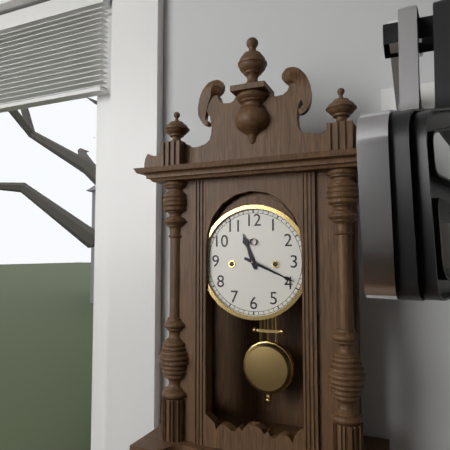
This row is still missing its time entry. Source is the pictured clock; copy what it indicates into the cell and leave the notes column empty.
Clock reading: 11:19
